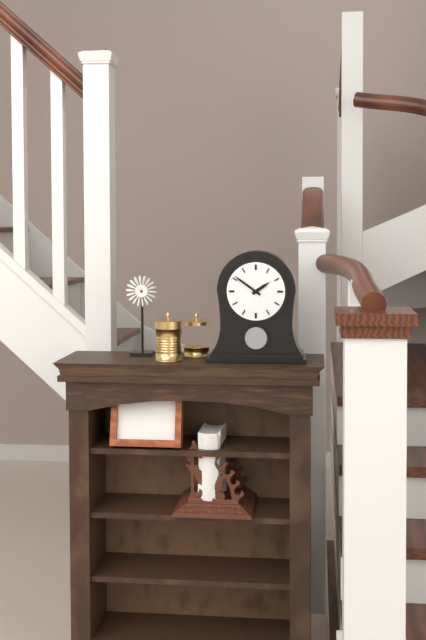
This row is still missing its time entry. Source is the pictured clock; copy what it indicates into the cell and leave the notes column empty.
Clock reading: 1:51
